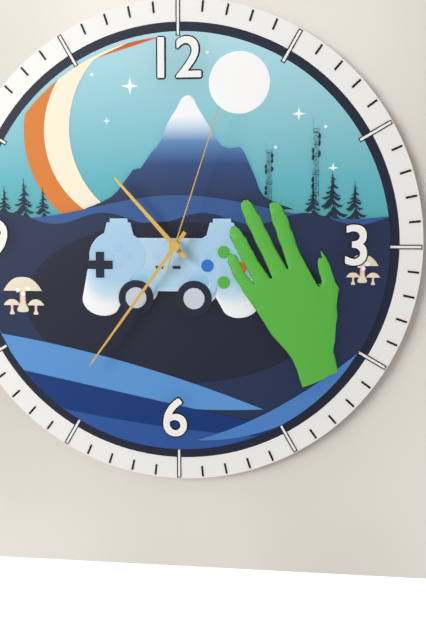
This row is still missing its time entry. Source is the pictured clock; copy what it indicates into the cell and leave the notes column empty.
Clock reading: 10:36:03
